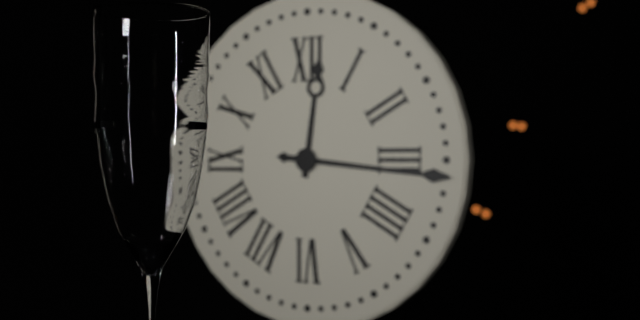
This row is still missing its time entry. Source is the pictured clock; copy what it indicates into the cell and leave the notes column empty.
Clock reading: 12:16
